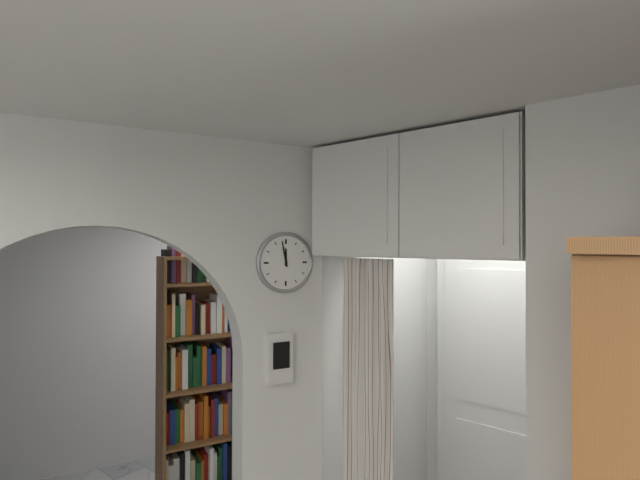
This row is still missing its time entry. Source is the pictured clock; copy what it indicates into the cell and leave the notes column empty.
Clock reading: 11:58
